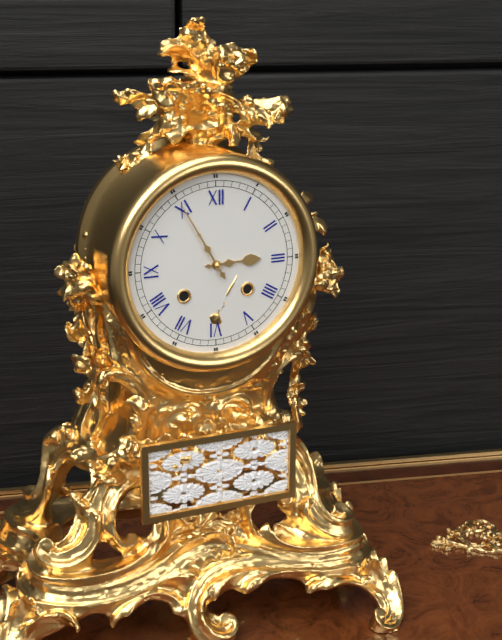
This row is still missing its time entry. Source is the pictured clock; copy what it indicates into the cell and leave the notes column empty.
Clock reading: 2:55
